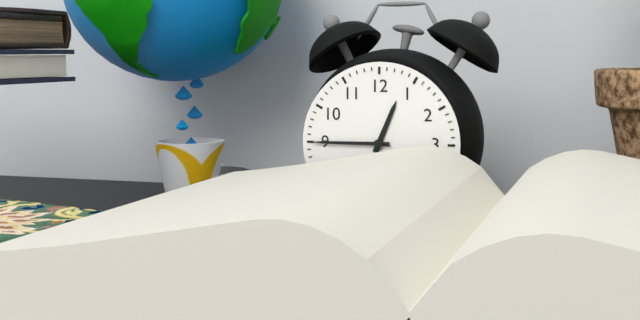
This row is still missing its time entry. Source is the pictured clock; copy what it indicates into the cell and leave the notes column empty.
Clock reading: 12:45
